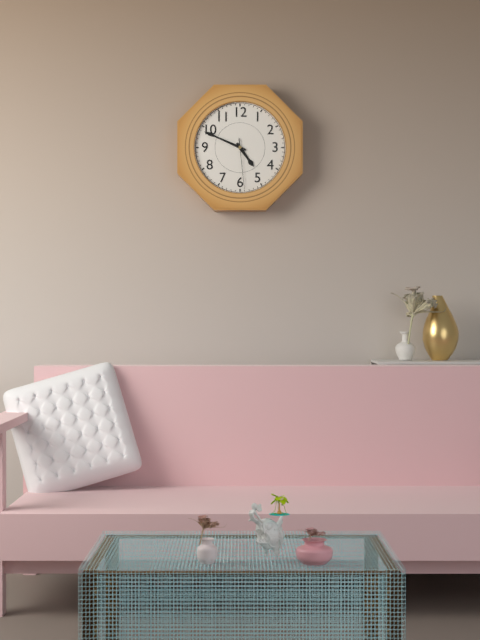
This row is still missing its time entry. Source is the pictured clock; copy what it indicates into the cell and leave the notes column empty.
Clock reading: 4:49:29
